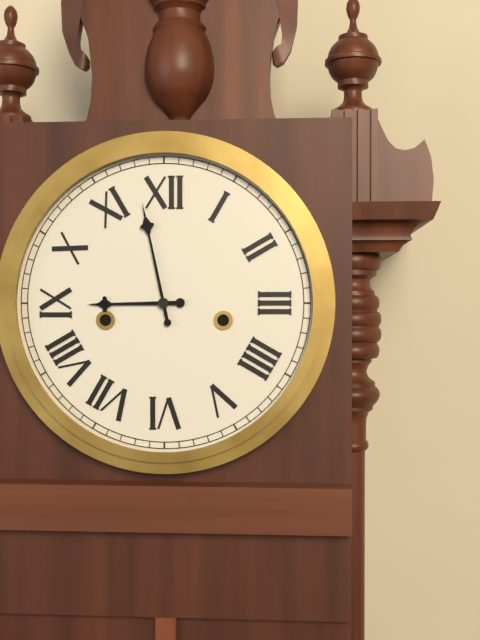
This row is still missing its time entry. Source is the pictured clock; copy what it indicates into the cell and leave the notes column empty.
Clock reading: 8:58
